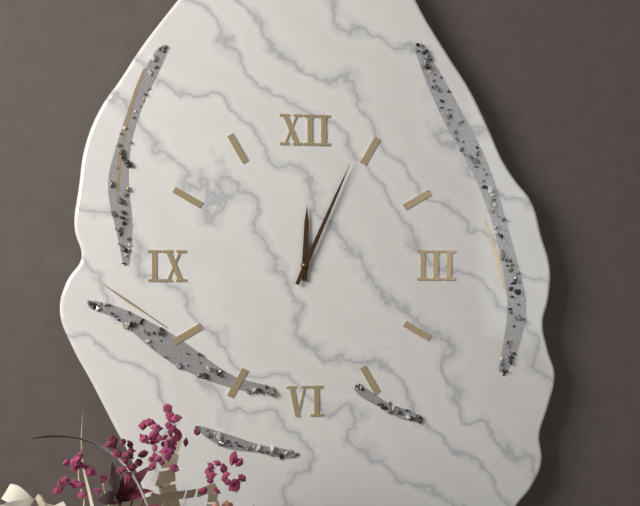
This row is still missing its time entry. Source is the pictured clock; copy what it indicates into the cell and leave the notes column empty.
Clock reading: 12:04
